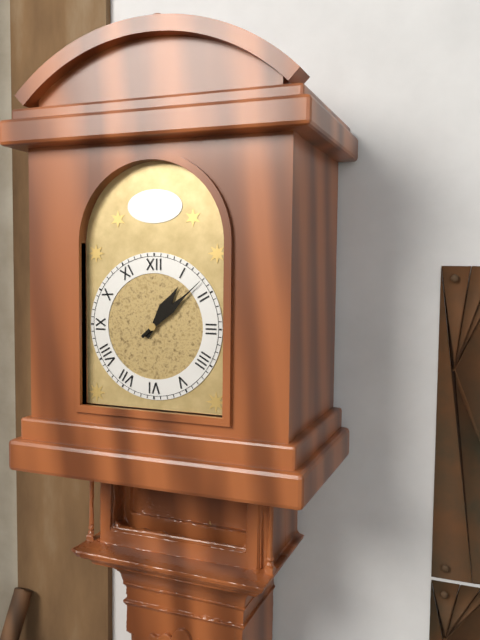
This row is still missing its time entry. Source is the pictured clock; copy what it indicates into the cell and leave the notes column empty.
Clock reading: 1:08
